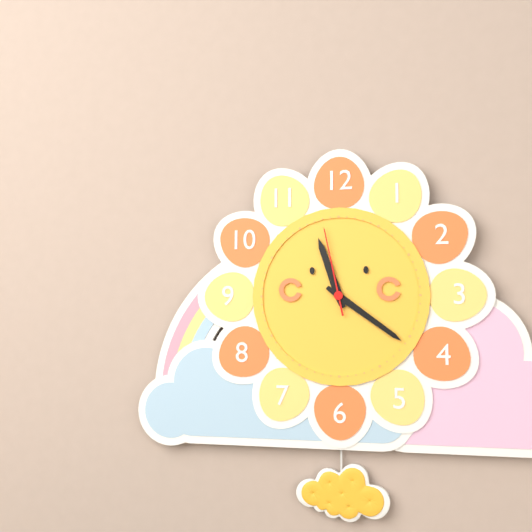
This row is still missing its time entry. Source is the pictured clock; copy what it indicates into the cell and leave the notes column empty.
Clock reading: 11:21:58
